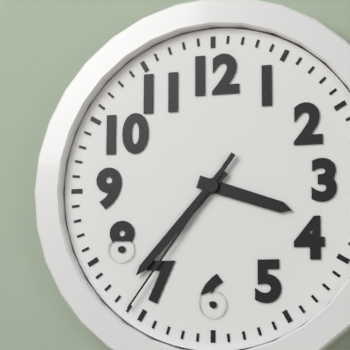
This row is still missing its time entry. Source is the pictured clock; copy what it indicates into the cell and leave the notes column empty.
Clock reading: 3:37:36
